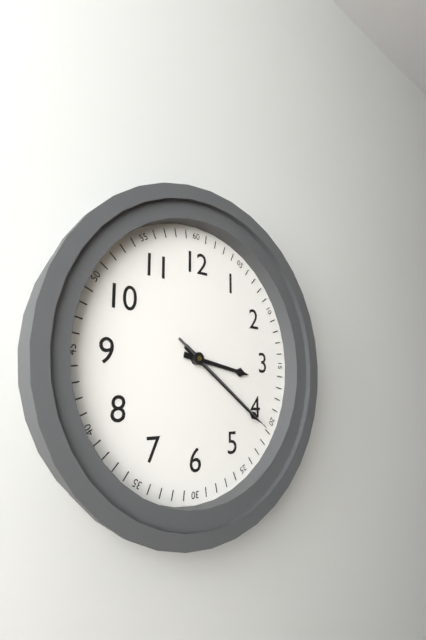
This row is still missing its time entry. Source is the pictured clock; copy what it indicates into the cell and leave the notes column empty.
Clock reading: 3:21:21
